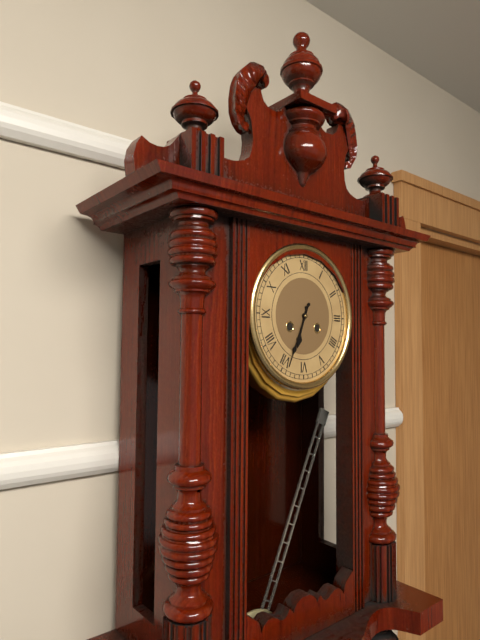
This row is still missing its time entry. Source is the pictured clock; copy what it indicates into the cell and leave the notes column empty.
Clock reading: 6:34
